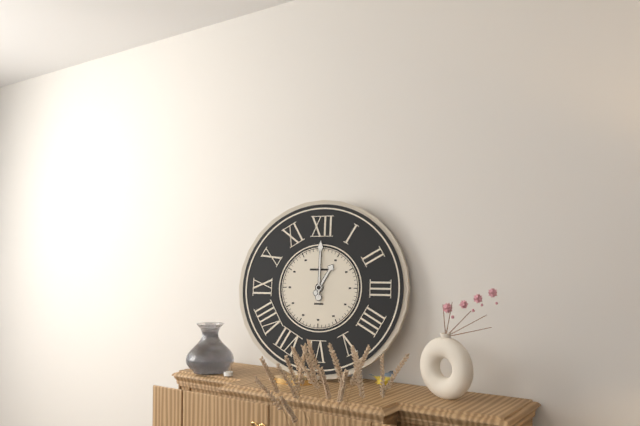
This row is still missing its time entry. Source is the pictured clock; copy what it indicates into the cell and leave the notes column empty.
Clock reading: 1:00
